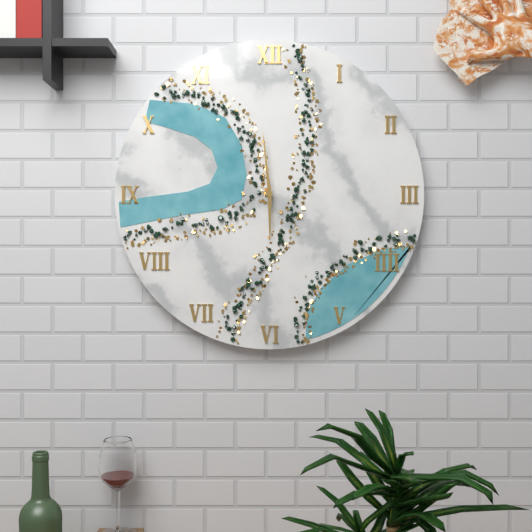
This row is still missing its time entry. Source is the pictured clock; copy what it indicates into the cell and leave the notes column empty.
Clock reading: 5:59
